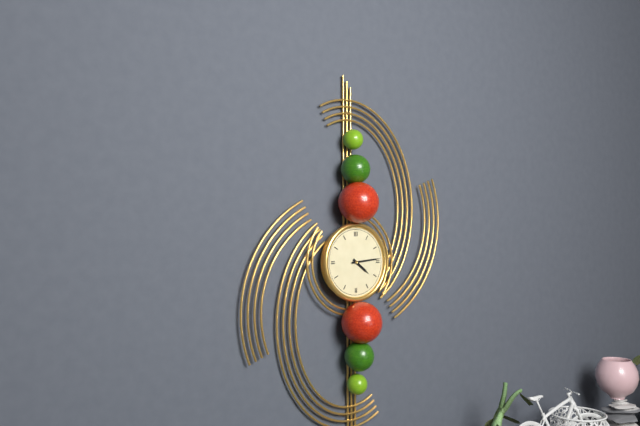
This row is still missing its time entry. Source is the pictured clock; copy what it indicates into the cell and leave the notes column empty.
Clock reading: 4:14
